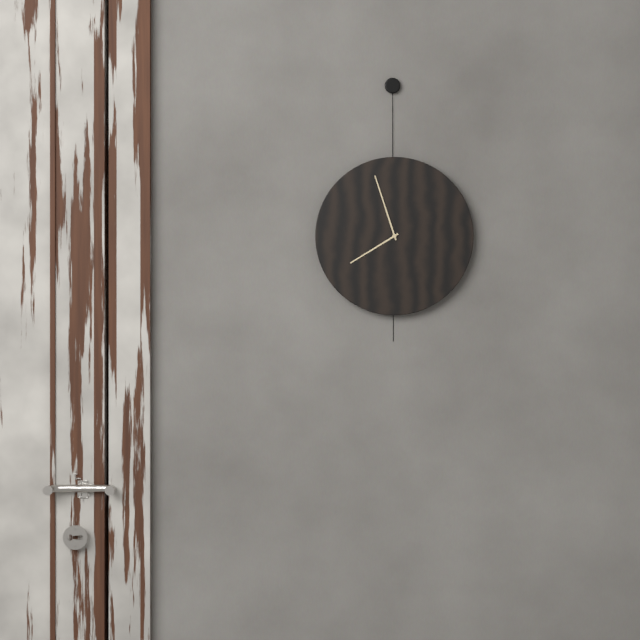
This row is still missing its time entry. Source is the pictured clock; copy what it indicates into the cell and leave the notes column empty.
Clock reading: 7:57
